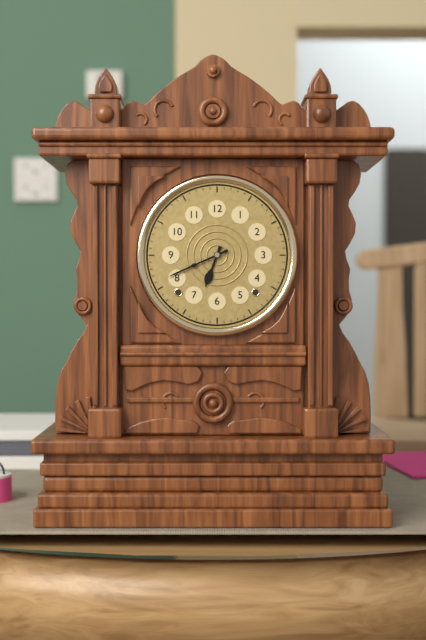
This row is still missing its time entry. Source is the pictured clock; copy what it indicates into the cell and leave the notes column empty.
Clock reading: 6:41
